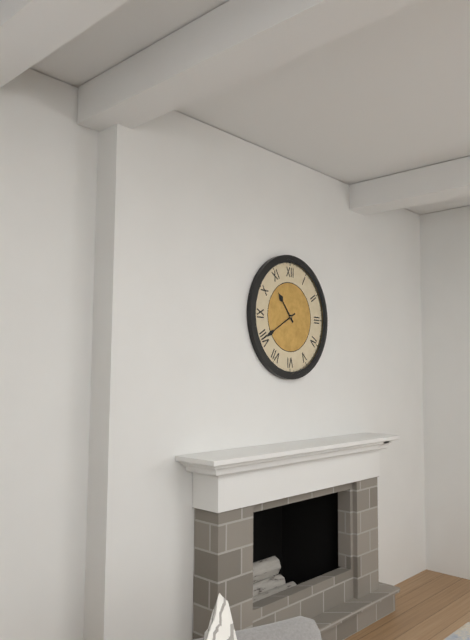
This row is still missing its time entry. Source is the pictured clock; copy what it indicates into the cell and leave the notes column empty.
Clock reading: 10:40
